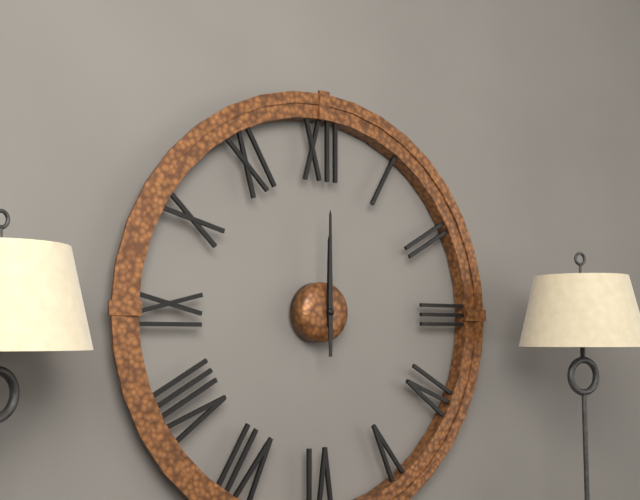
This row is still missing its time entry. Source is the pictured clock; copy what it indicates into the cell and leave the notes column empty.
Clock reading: 12:00
